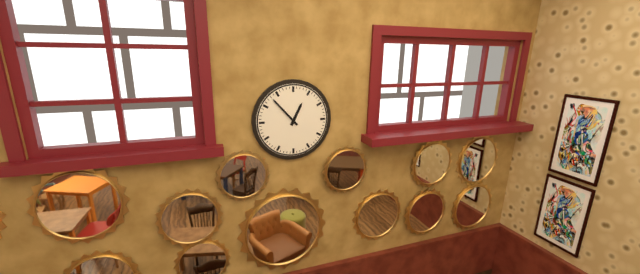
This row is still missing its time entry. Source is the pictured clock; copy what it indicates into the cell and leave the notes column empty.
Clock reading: 12:53
